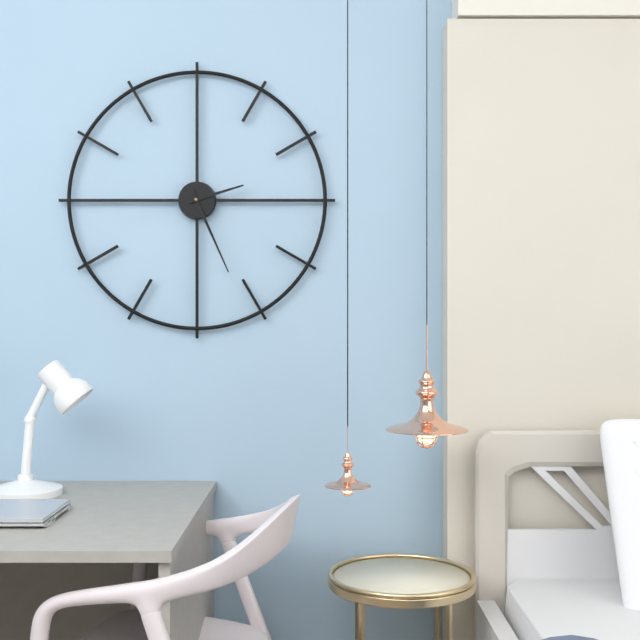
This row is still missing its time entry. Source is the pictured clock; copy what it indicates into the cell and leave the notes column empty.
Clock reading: 2:26
